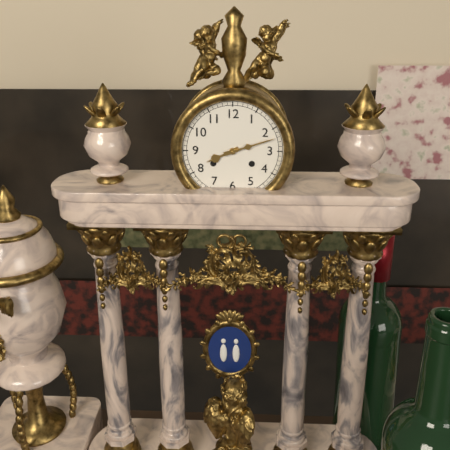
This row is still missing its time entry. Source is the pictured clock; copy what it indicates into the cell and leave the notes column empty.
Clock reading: 8:12
